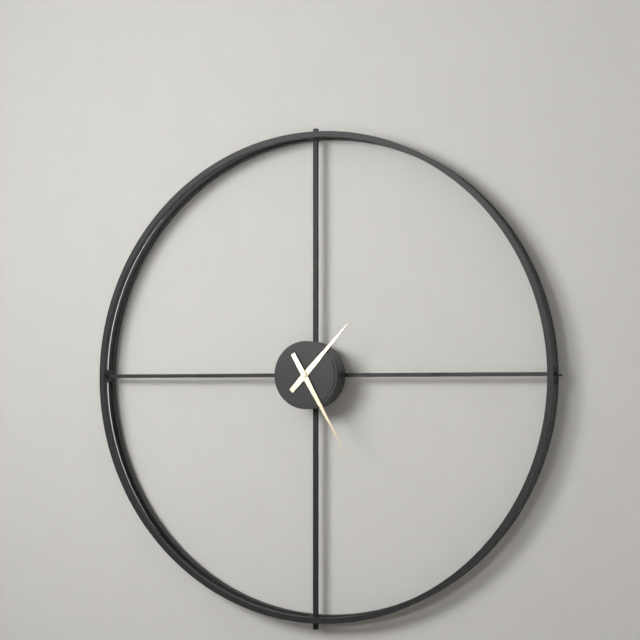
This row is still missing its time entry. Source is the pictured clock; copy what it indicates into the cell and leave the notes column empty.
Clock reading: 1:25
